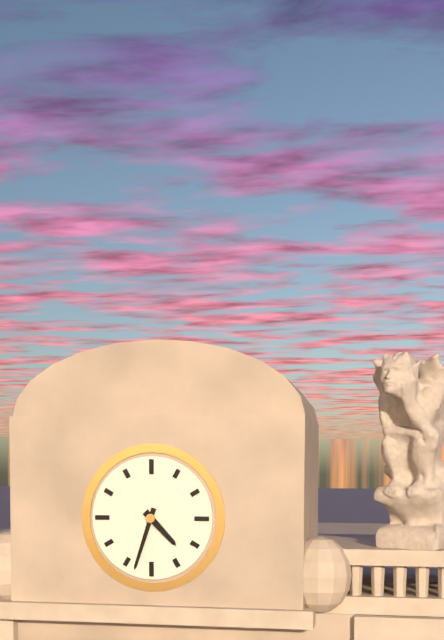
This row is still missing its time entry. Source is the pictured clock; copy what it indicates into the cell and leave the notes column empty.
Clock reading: 4:33
